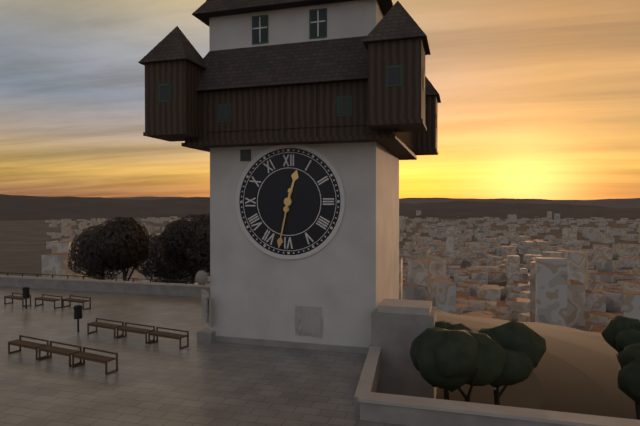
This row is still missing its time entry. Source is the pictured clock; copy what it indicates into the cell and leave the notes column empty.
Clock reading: 12:32
